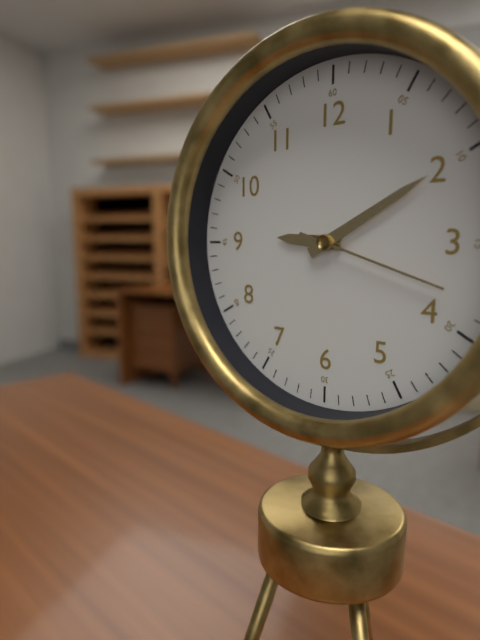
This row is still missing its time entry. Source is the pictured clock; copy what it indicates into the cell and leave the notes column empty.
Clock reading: 9:10:18
